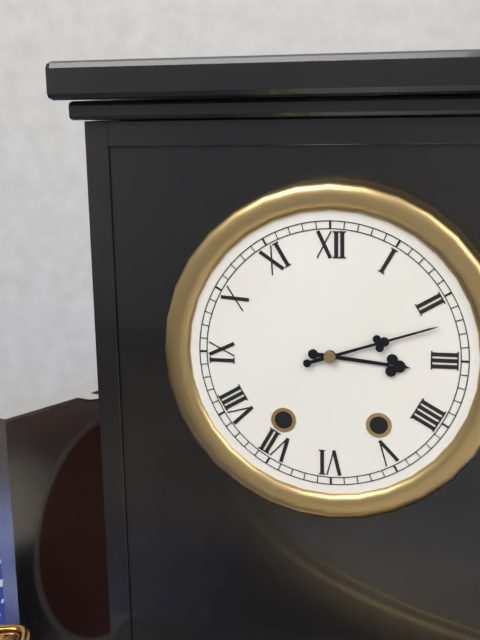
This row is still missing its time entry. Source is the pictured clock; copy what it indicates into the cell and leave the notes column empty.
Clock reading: 3:12
